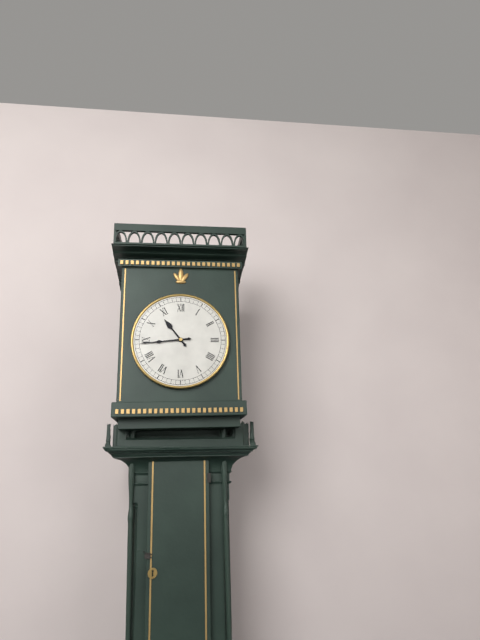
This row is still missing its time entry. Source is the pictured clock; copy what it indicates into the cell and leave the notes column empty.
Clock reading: 10:44
